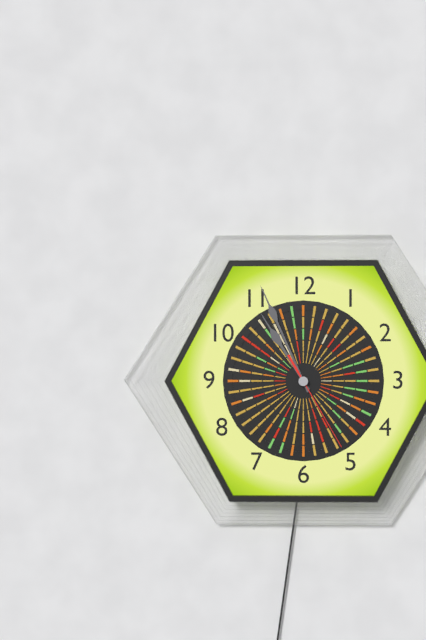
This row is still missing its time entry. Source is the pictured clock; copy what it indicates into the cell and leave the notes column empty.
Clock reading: 10:56:25
